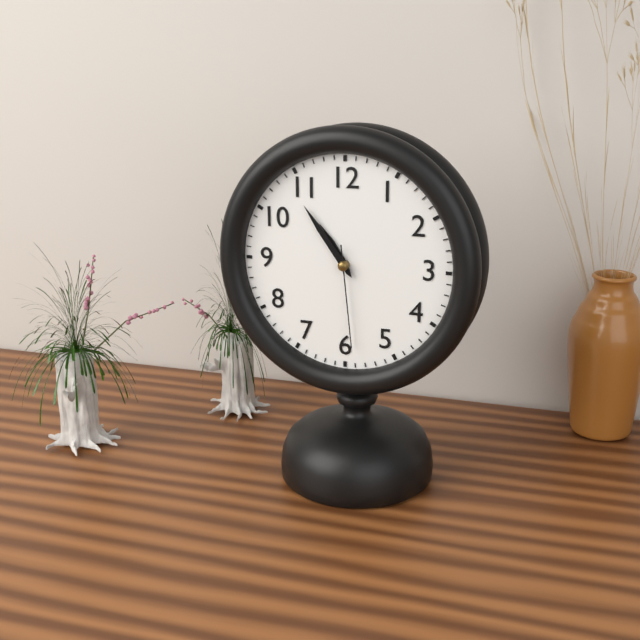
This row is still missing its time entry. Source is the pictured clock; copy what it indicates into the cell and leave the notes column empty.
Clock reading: 10:54:29
